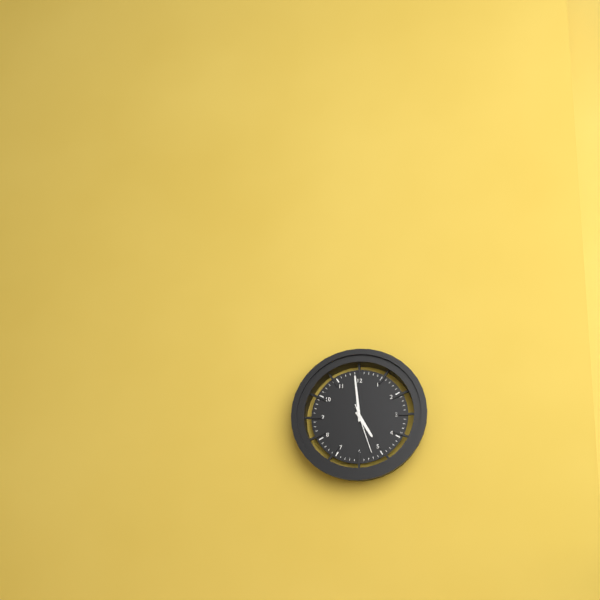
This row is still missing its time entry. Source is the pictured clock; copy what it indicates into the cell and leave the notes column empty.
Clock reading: 4:59
